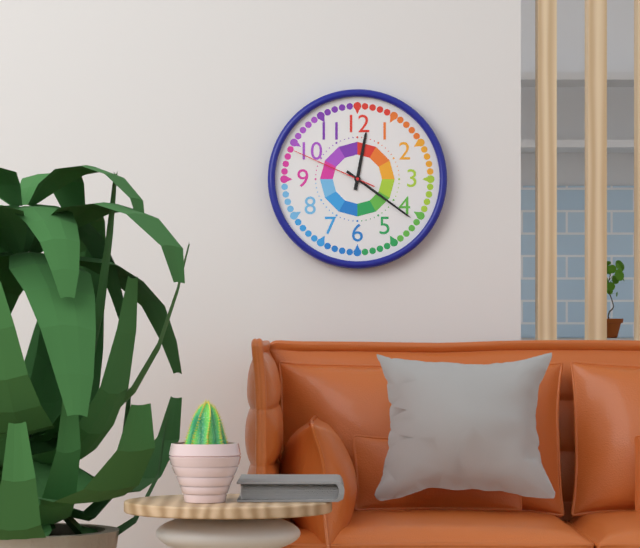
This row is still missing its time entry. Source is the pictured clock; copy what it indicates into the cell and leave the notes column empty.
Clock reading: 12:21:49
